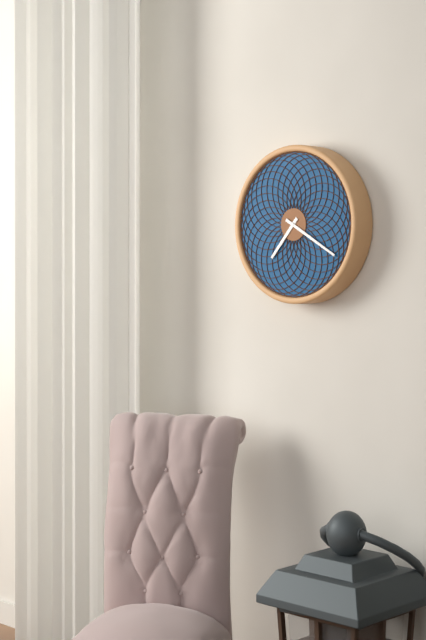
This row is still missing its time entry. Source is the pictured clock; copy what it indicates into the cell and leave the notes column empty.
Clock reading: 7:20
